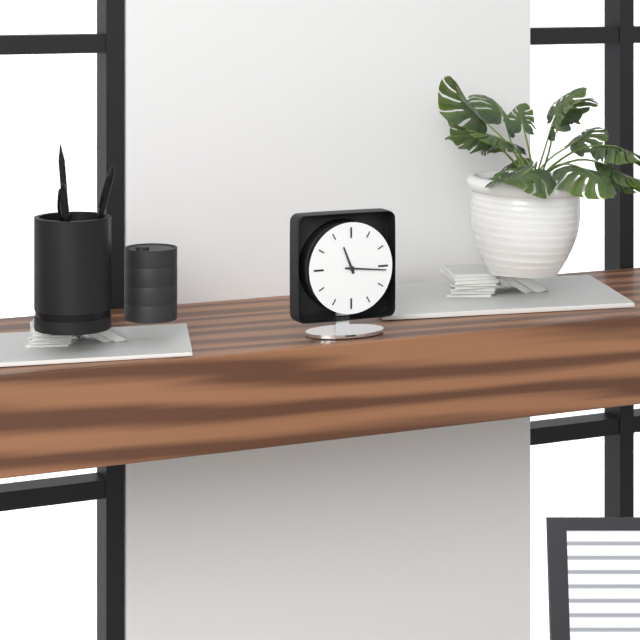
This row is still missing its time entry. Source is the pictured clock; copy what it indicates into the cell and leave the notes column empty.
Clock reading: 11:16
